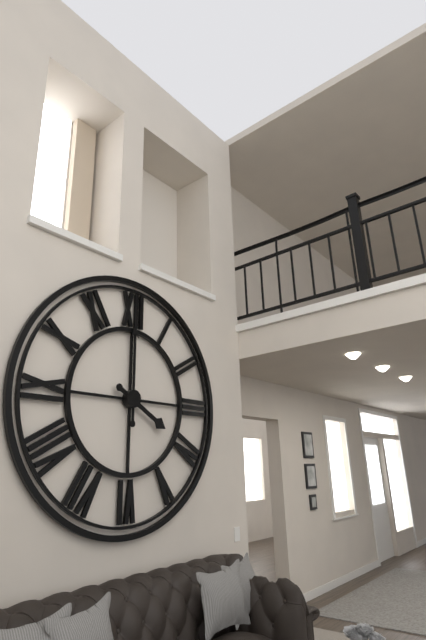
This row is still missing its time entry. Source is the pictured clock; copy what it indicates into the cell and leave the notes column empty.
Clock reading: 4:00
